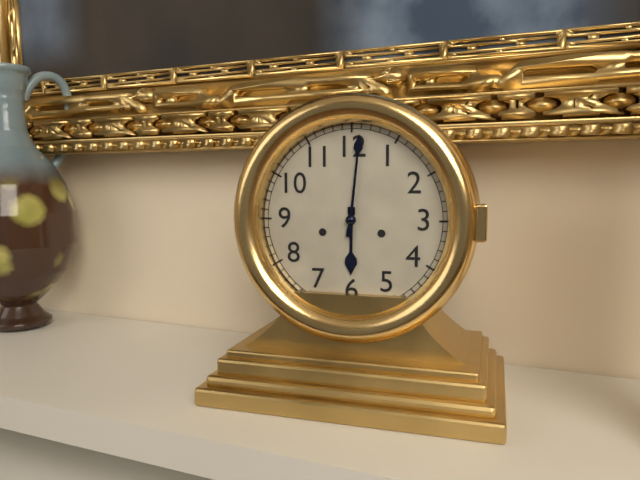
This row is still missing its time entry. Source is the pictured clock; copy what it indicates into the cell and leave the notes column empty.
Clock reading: 6:01
